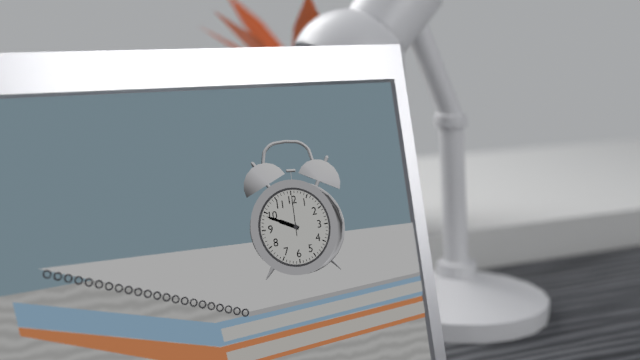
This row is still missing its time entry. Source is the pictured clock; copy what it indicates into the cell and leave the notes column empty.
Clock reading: 9:49
